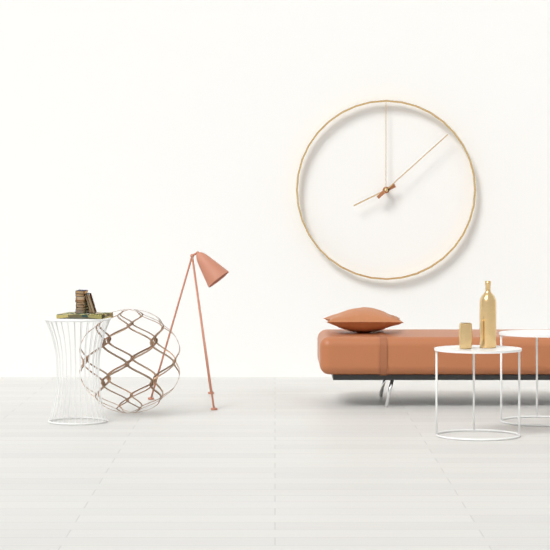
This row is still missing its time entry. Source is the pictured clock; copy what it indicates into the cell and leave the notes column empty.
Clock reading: 8:08
